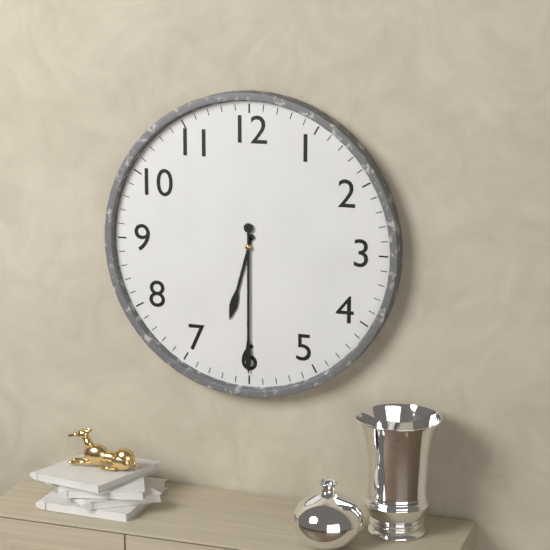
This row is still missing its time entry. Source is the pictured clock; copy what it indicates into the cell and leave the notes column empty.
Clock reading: 6:30
